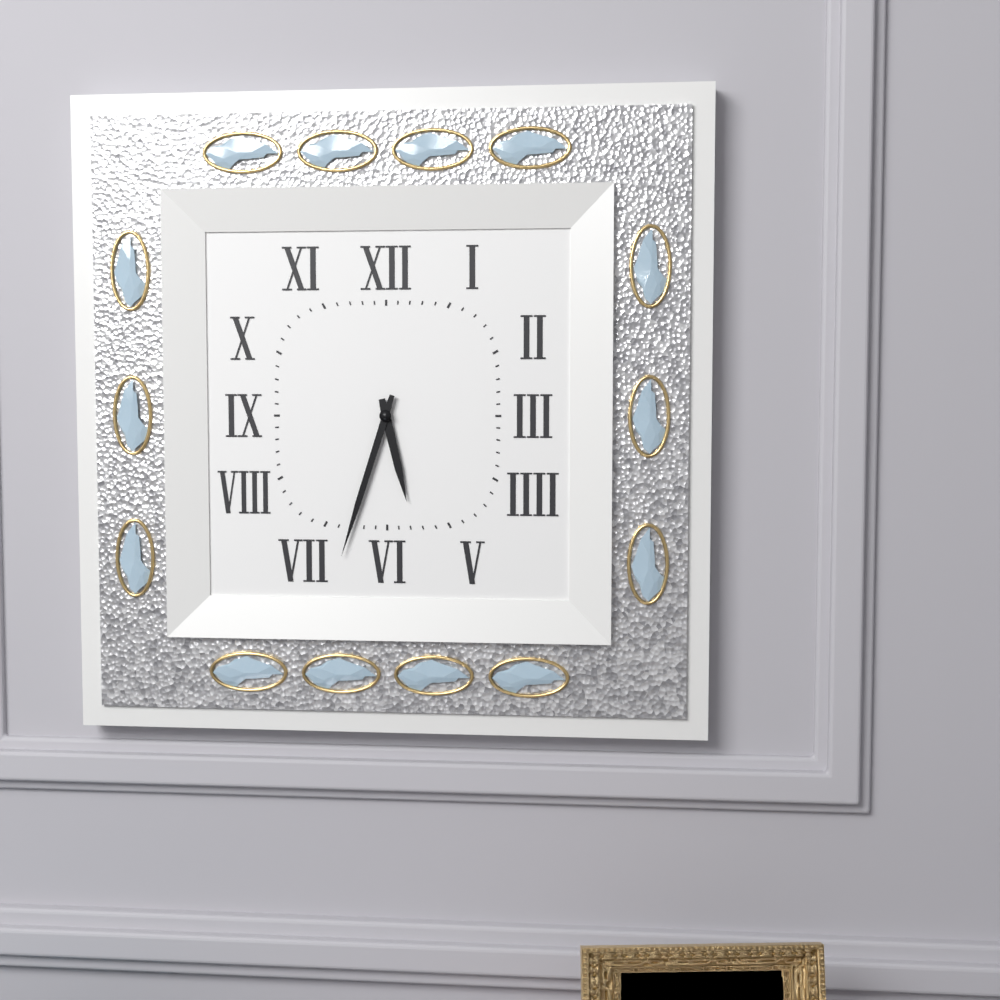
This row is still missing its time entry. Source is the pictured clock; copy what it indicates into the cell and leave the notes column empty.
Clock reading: 5:33
